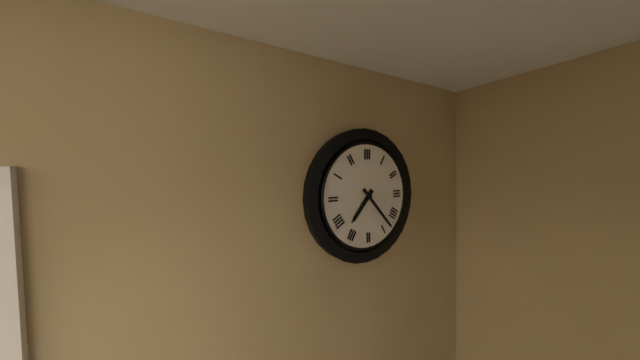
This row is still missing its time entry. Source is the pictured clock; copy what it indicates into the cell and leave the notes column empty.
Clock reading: 7:23
